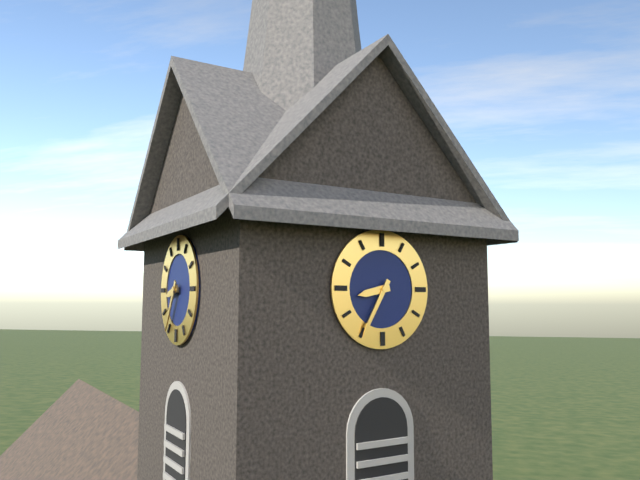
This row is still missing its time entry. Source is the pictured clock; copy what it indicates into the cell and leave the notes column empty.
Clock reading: 8:35
